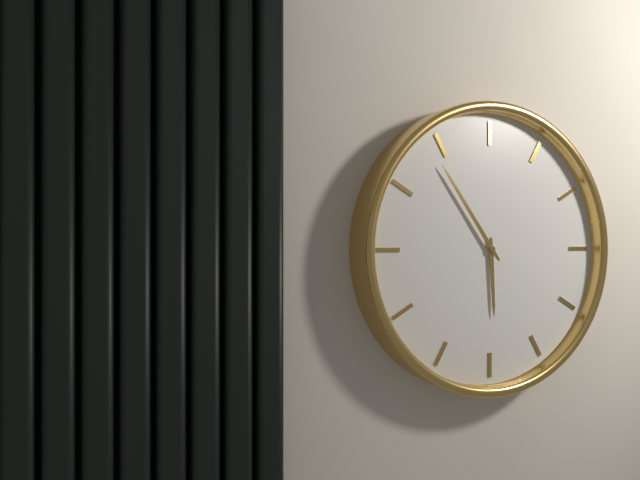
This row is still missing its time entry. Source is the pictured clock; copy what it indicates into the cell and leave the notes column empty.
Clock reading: 5:54
